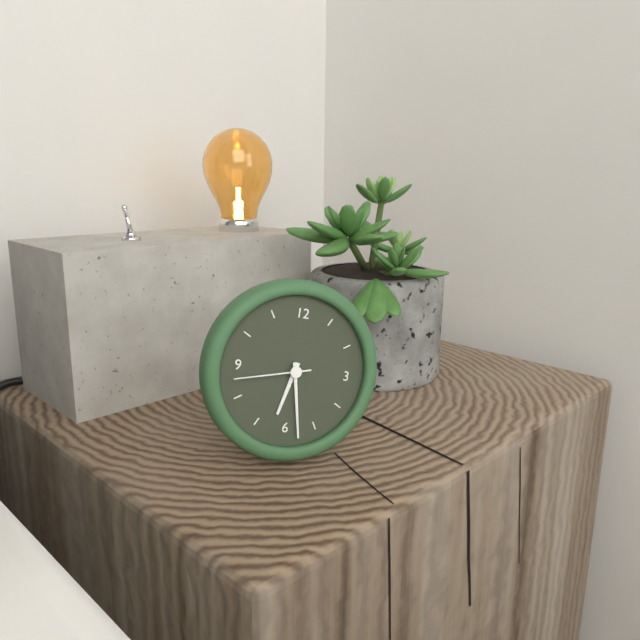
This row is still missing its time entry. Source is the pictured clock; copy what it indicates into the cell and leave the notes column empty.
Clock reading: 6:28:43
